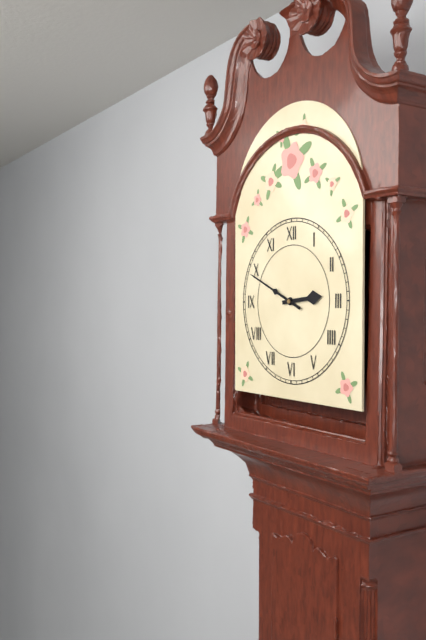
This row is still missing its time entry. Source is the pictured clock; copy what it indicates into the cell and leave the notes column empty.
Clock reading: 2:49
